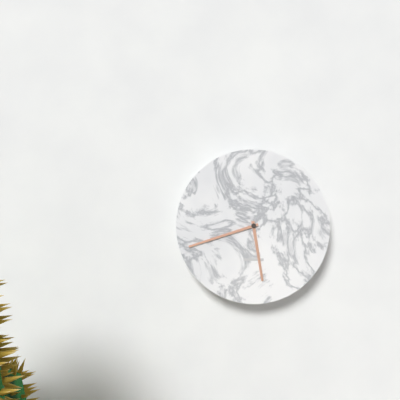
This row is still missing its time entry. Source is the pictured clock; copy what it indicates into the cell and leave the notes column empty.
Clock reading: 5:42
